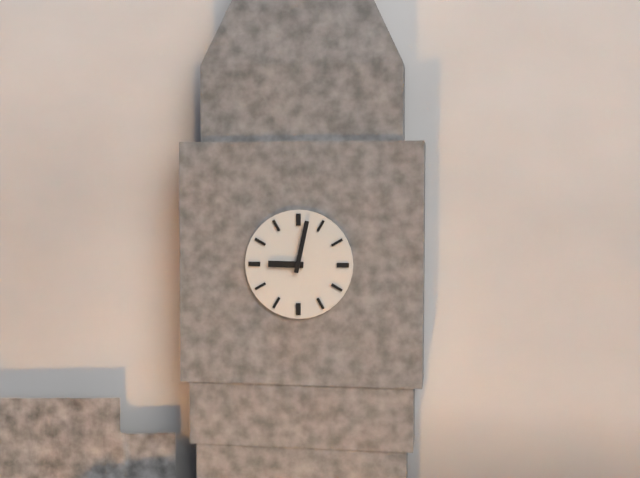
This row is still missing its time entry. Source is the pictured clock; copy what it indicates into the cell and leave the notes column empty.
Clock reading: 9:02
